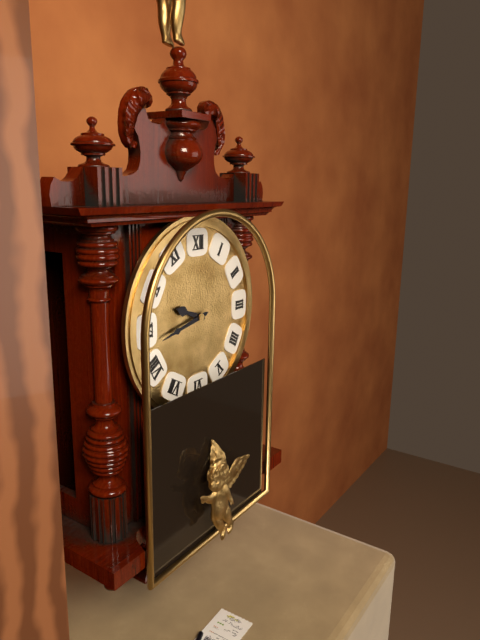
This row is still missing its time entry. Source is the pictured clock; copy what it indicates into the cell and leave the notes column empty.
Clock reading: 9:43
